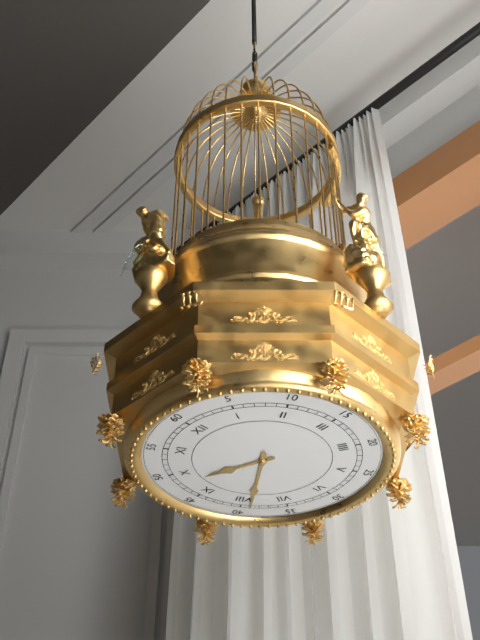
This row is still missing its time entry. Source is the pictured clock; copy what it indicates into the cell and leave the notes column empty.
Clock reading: 9:39
